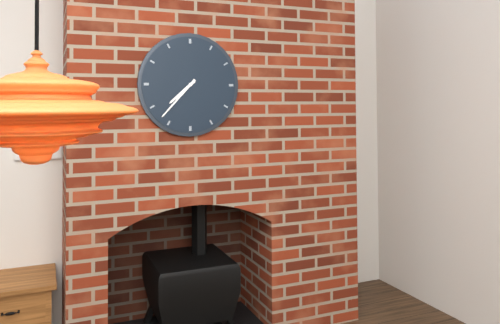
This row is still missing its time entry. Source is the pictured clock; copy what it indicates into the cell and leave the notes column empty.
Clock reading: 7:37
